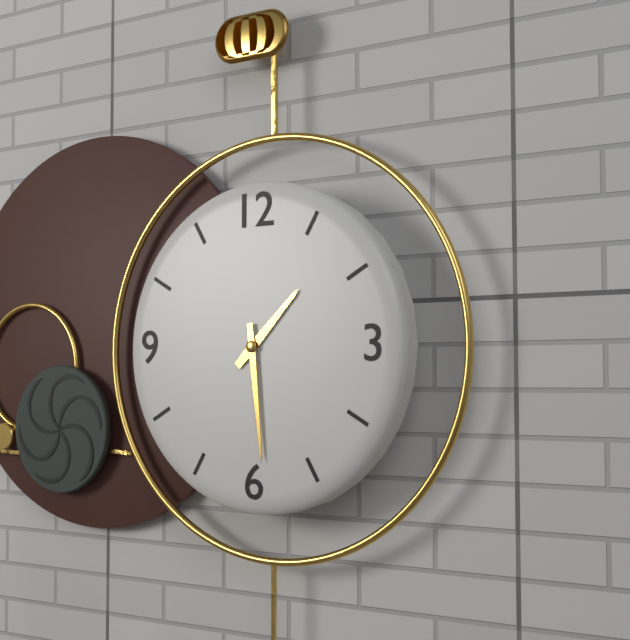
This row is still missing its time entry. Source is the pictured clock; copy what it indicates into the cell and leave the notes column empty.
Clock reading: 1:29
